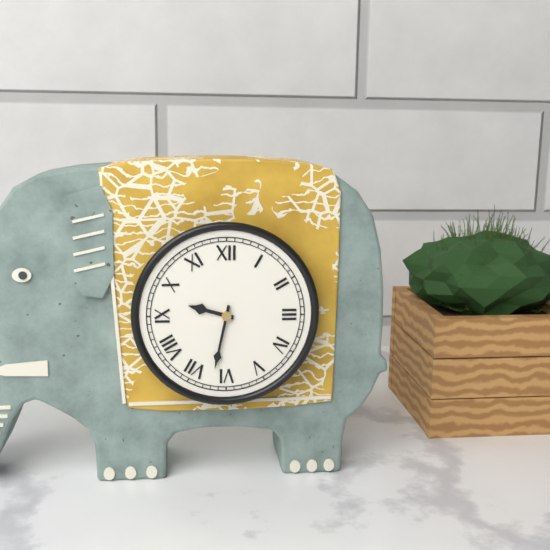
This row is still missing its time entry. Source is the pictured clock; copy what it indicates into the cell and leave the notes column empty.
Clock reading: 9:32
